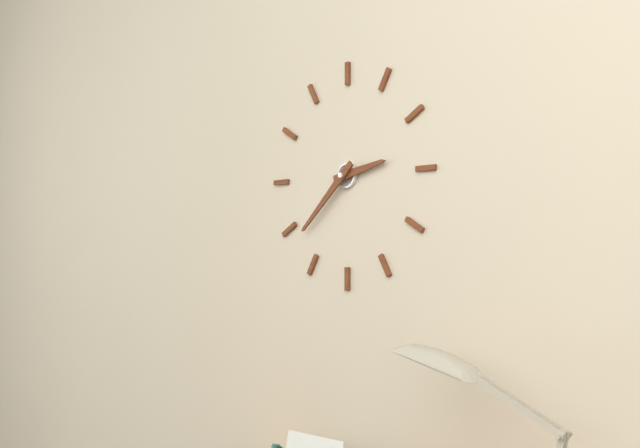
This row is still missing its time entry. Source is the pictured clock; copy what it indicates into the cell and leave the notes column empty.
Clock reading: 2:38
